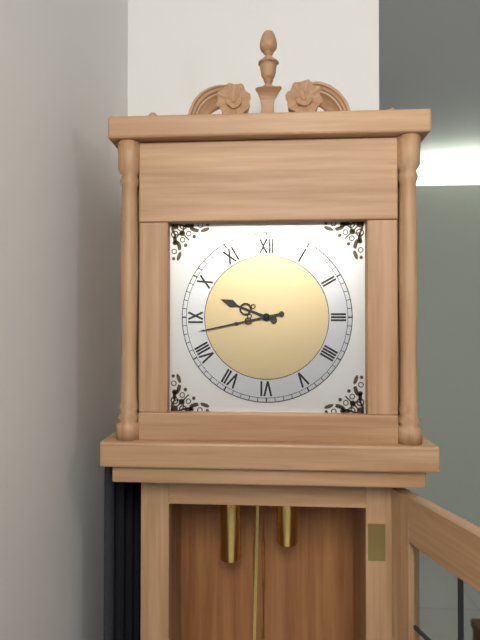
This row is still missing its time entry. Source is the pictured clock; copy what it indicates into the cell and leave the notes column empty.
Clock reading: 9:43
